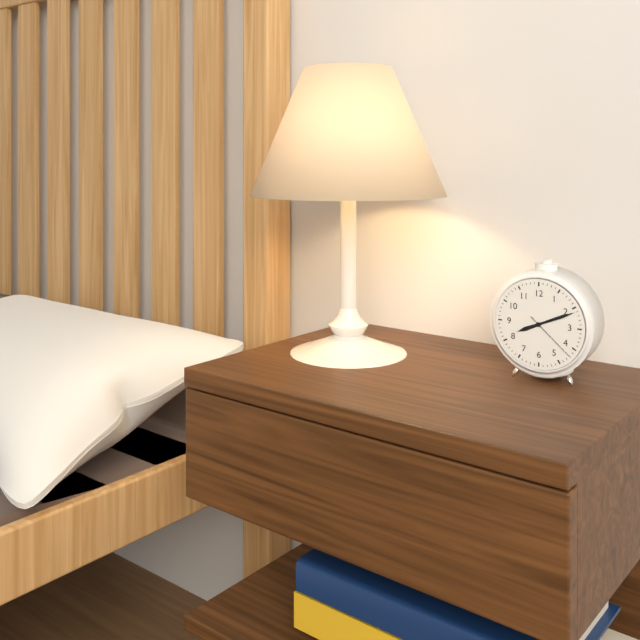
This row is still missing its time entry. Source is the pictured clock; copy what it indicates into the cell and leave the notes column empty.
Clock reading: 8:11:22
